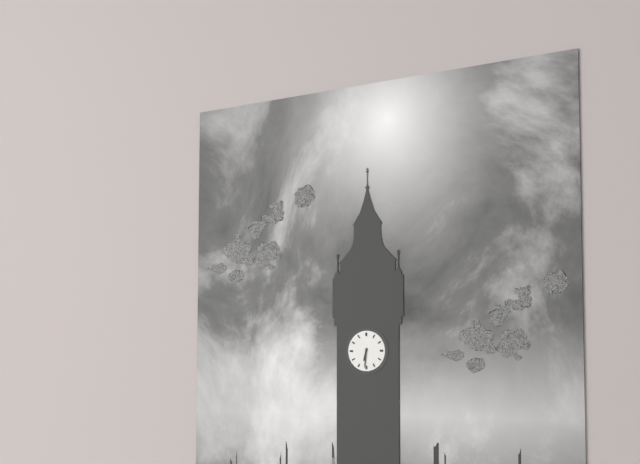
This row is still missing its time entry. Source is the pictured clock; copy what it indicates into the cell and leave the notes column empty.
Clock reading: 6:31
